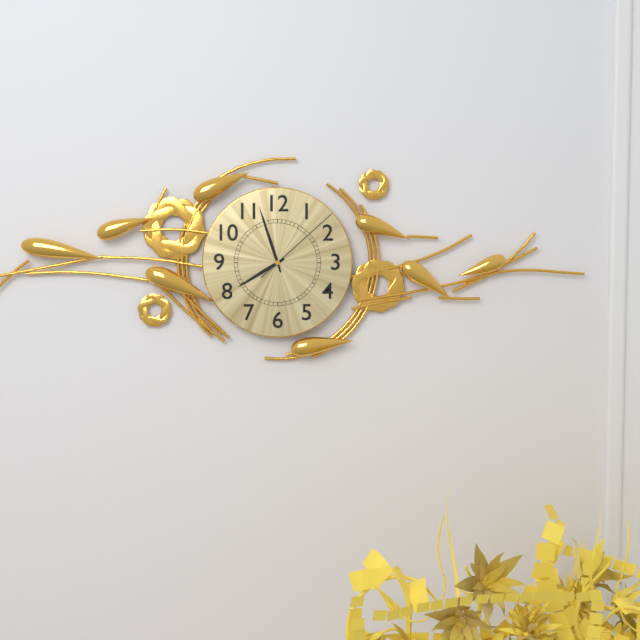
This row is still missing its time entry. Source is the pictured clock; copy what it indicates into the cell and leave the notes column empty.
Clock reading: 7:57:08
